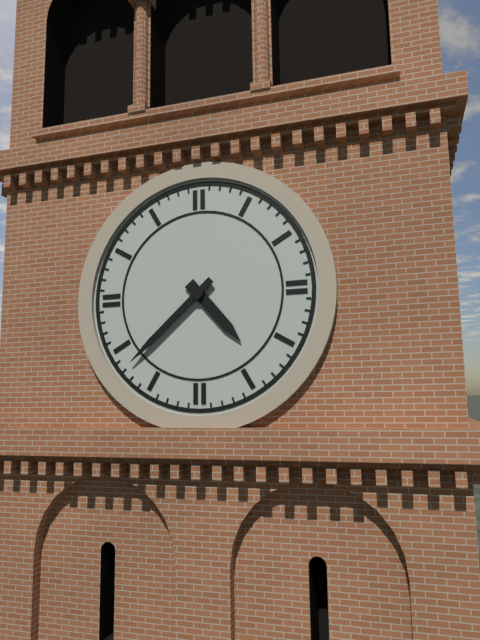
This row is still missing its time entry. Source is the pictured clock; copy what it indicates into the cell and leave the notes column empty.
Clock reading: 4:38
